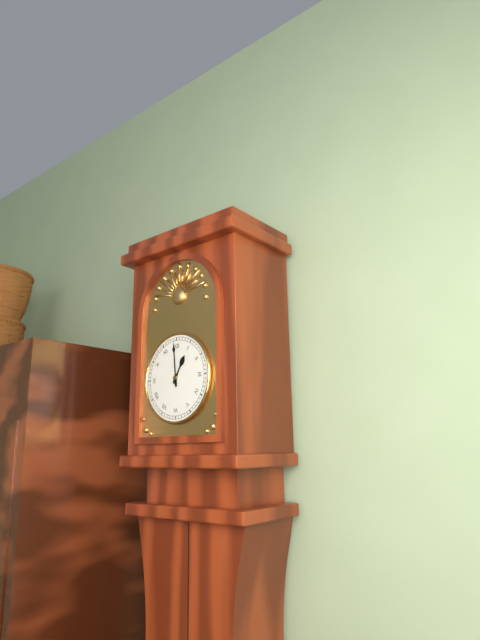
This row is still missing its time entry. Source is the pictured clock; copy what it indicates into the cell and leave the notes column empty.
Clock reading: 12:59
